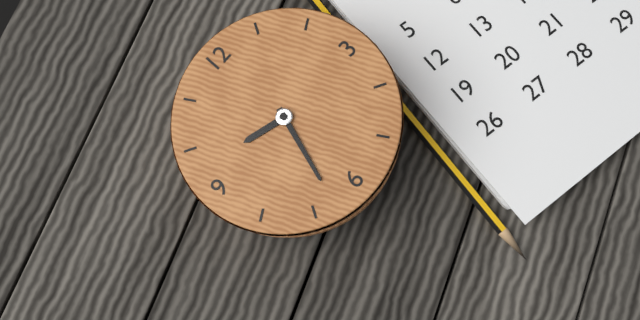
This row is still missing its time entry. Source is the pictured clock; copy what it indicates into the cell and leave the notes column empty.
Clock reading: 9:33
